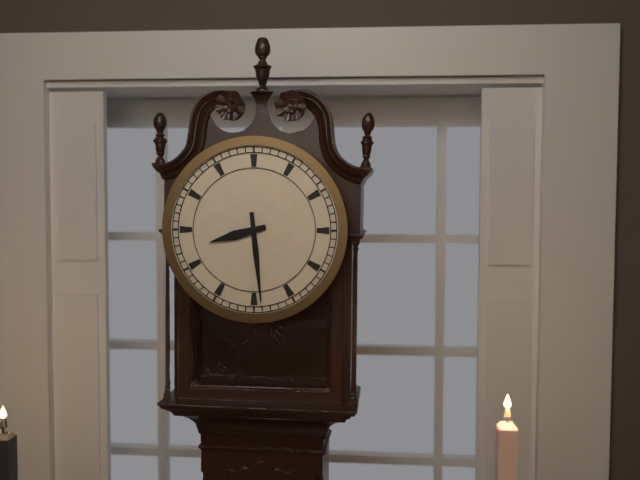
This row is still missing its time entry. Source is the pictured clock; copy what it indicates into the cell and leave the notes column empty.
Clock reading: 8:29
